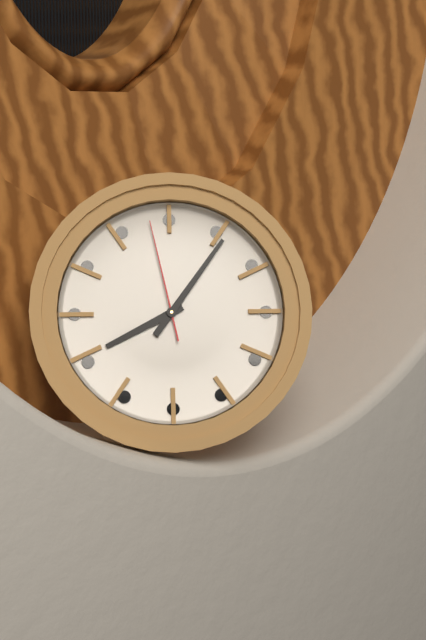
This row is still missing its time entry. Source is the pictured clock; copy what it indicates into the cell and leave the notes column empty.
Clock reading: 8:06:58
